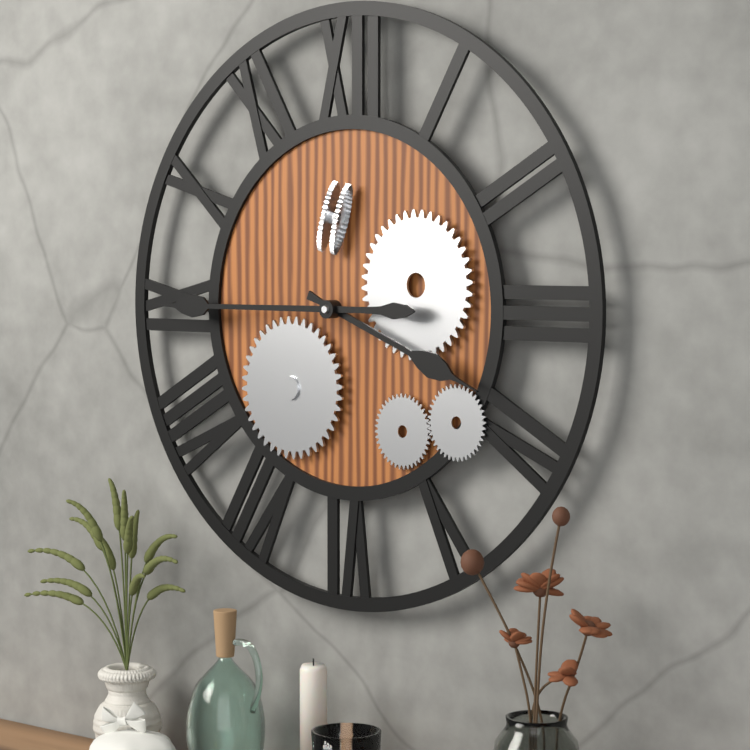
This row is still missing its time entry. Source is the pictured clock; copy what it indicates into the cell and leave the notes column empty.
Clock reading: 3:45
